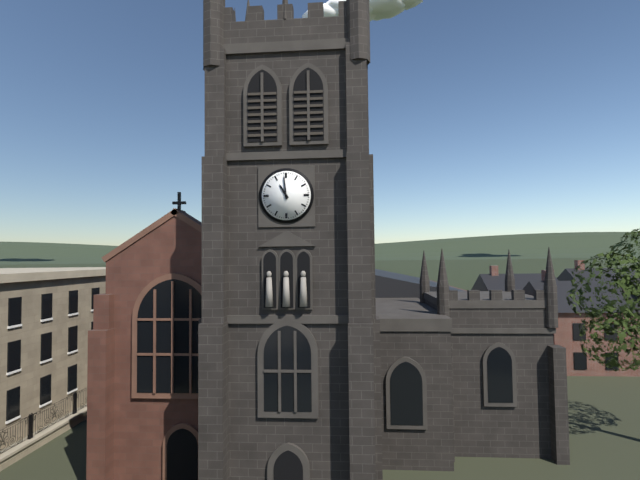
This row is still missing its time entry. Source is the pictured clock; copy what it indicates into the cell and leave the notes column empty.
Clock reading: 10:59
